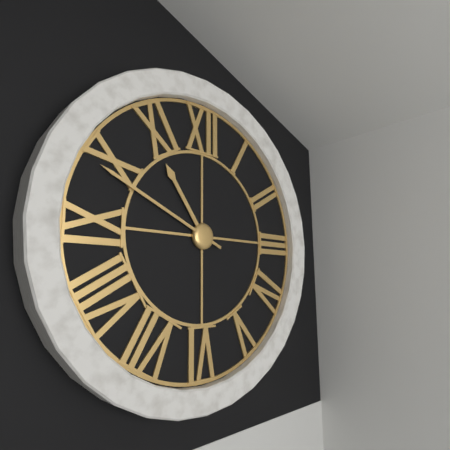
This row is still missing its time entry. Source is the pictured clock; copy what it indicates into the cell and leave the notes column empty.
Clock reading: 10:49
